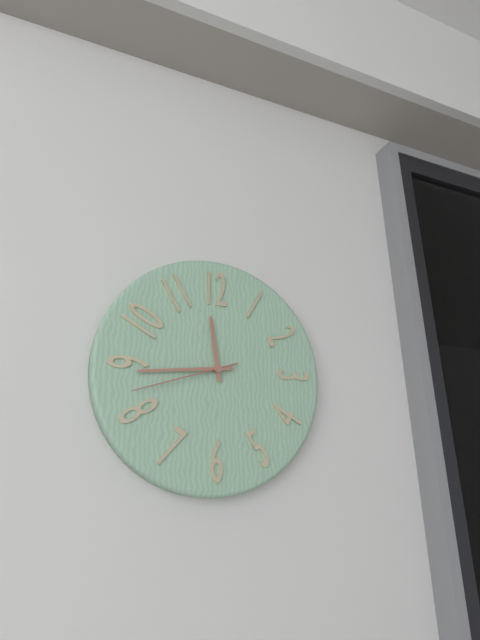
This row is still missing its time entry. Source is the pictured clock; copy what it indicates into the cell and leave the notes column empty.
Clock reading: 11:44:42
